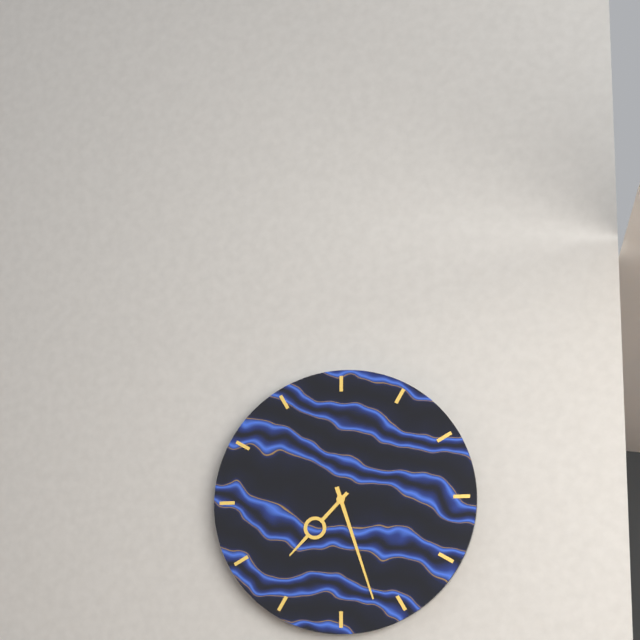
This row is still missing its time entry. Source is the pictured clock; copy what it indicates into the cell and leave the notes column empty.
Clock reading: 7:27
